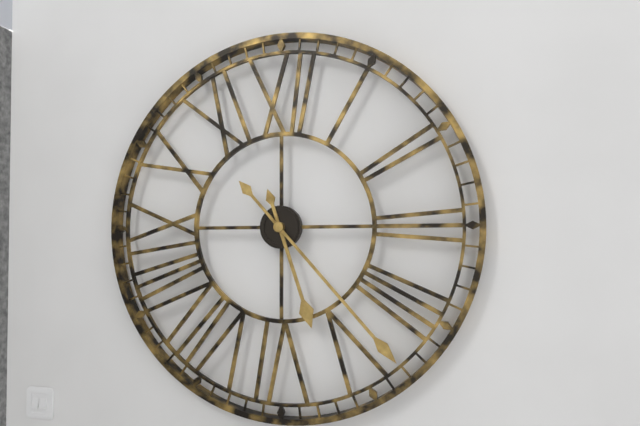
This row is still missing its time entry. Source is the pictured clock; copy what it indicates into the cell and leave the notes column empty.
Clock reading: 5:23
